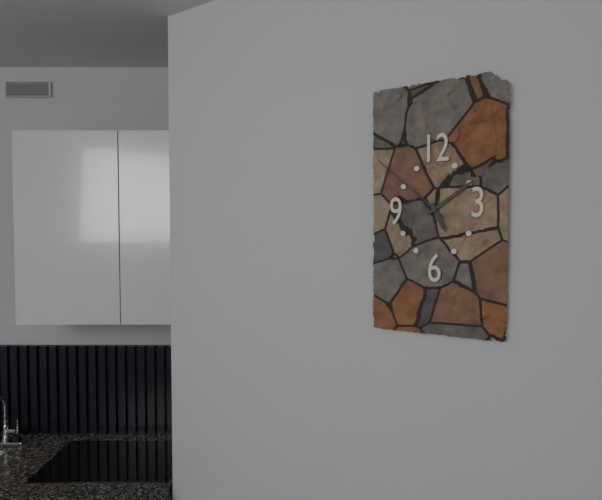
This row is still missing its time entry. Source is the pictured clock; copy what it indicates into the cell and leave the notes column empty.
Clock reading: 5:09:52
